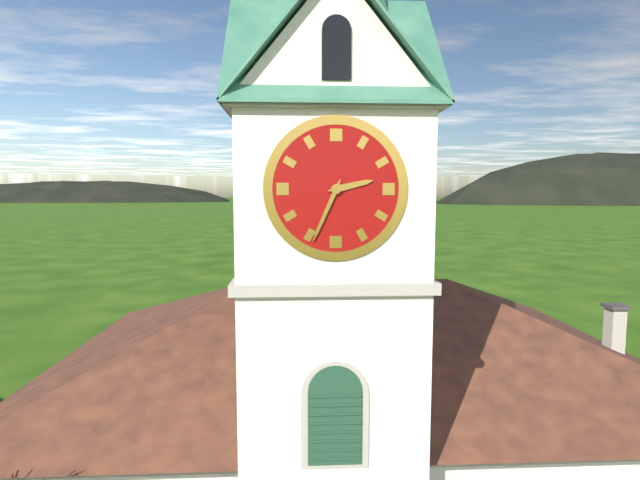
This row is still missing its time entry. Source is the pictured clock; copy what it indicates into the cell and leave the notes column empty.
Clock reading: 2:34
